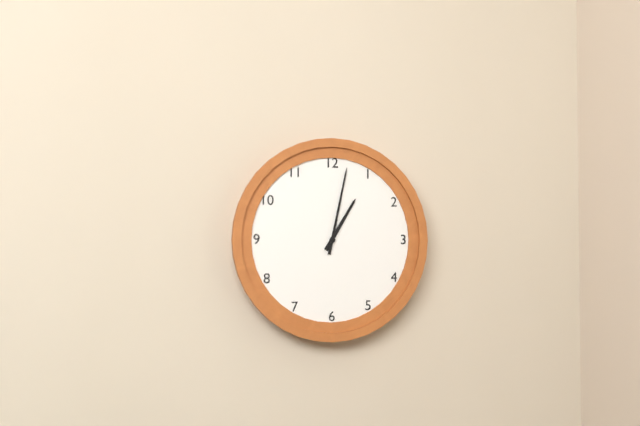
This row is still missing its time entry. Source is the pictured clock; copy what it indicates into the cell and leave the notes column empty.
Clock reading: 1:02
